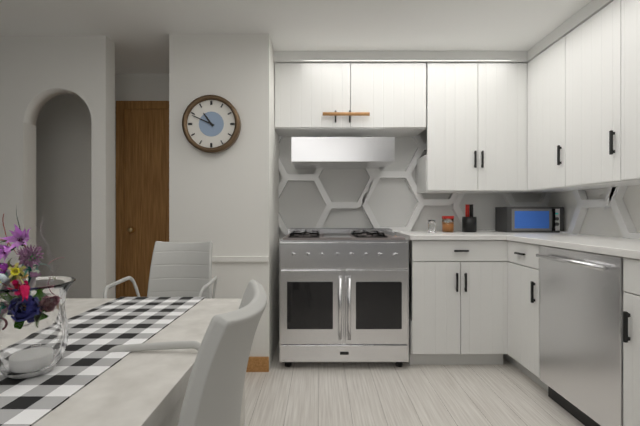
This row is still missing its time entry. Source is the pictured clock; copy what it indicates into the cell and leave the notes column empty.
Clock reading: 10:49
